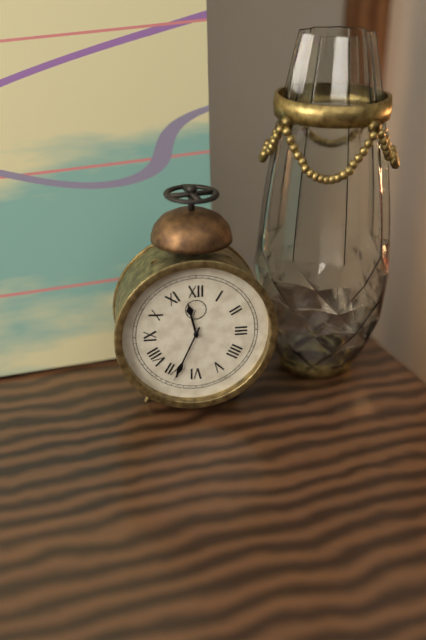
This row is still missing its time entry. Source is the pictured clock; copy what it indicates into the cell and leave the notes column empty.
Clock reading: 11:34
